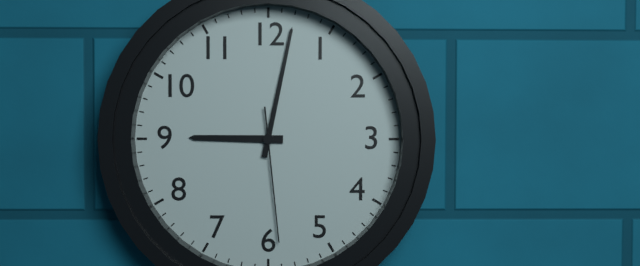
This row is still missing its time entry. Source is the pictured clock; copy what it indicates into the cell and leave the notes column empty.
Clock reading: 9:02:29
